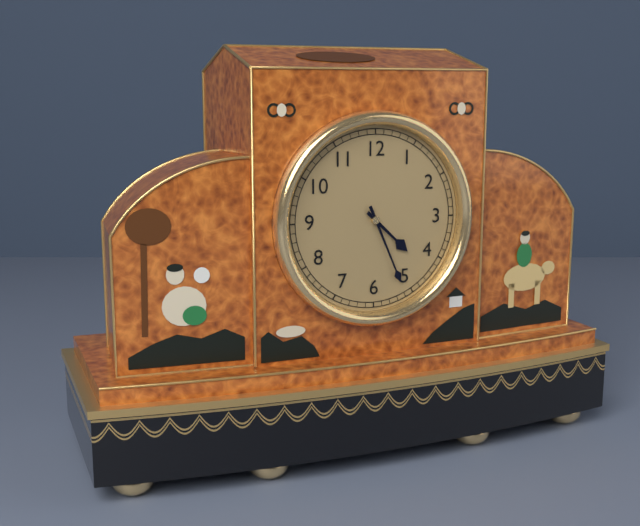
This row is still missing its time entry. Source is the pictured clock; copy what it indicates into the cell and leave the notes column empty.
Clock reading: 4:26
